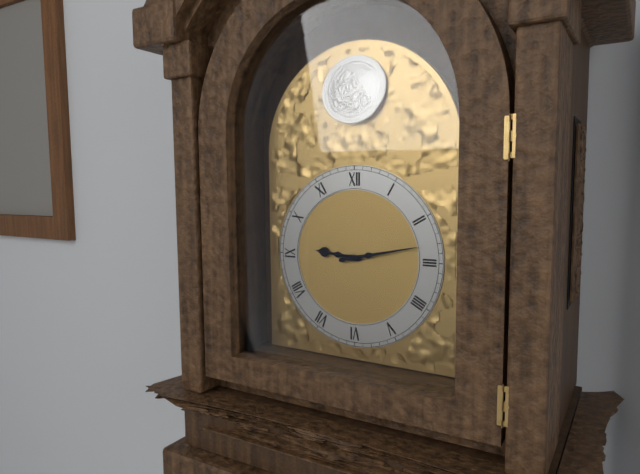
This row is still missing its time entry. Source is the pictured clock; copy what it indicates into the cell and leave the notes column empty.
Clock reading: 9:13
